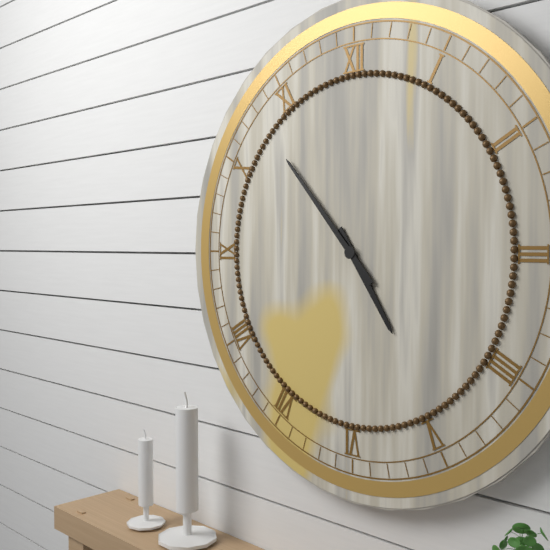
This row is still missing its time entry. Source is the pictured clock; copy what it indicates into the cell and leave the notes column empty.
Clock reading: 4:53
